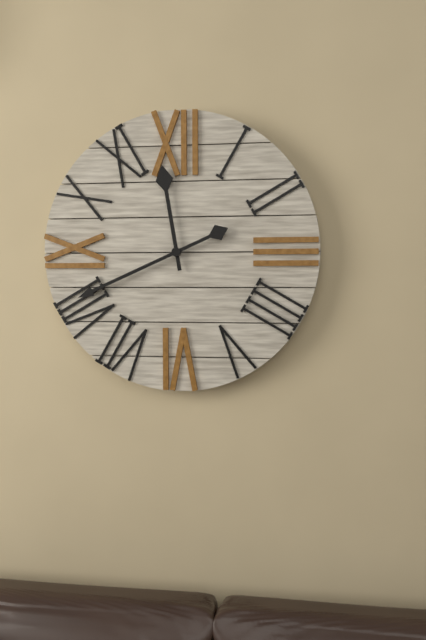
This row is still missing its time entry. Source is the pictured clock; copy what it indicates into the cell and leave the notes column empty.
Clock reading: 11:41
